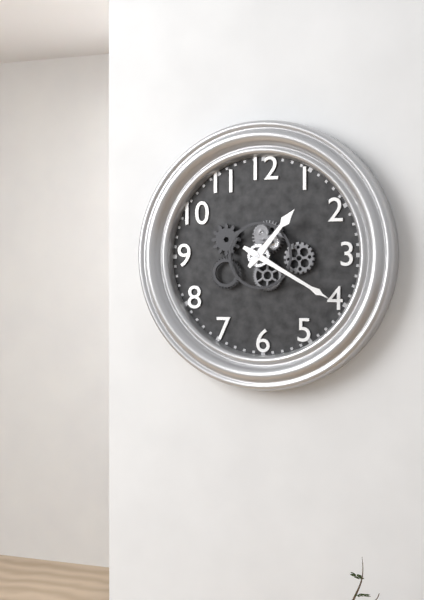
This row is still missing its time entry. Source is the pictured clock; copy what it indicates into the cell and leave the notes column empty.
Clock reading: 1:20
